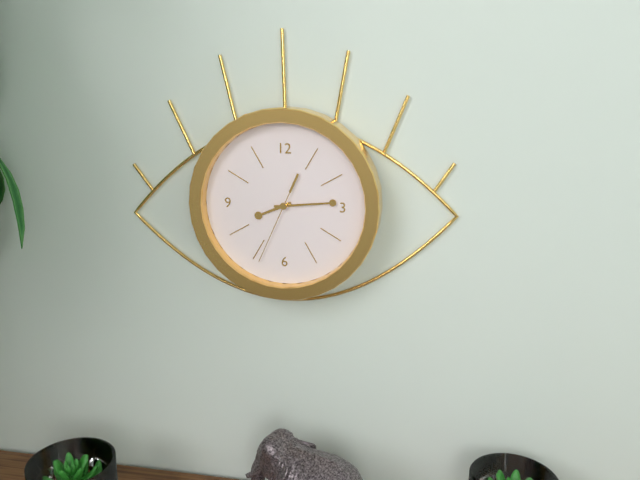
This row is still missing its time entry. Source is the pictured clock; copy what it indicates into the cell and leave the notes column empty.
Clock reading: 8:14:34
